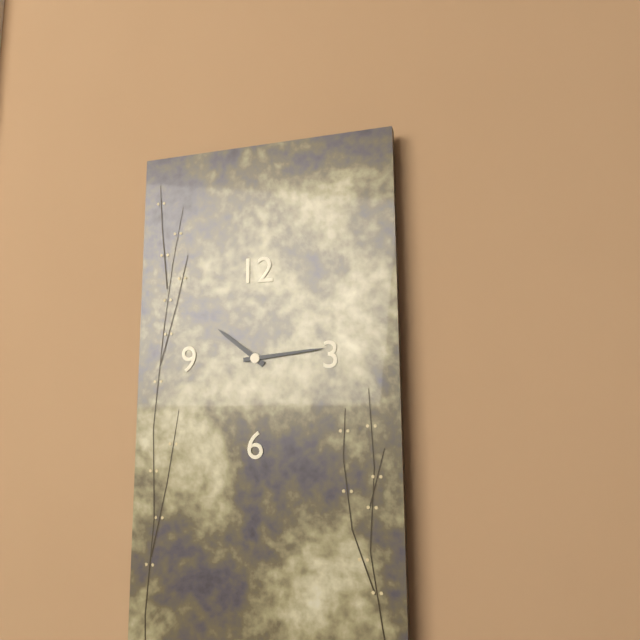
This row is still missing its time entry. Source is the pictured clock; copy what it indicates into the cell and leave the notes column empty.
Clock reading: 10:14
